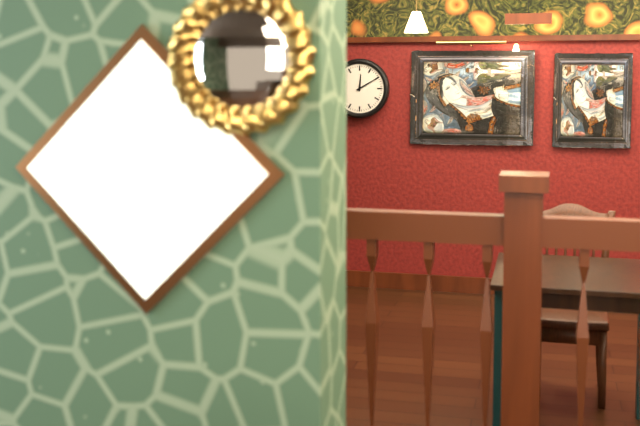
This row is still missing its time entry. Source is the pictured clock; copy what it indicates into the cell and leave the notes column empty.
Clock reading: 12:10
